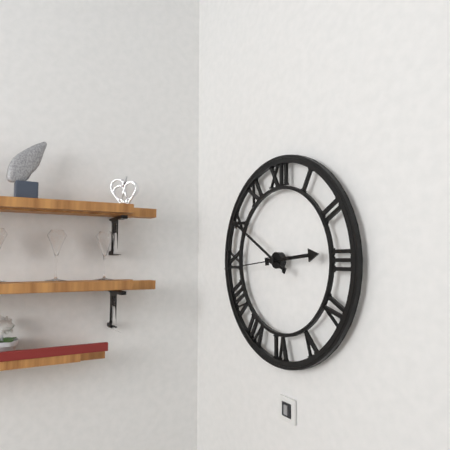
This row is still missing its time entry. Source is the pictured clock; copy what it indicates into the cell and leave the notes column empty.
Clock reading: 2:50:44
